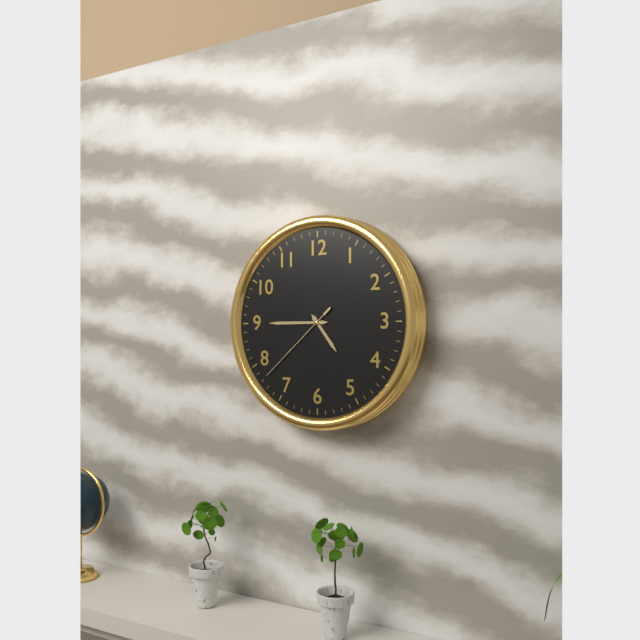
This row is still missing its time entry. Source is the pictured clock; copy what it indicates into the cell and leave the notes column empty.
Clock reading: 4:45:38
